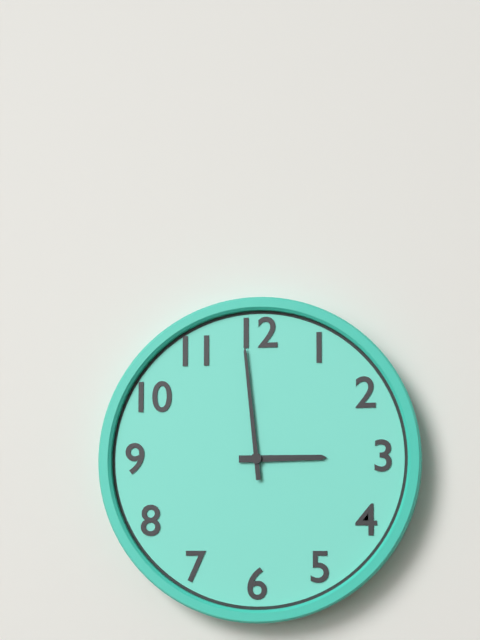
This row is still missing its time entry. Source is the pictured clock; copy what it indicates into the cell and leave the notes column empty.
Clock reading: 2:59
